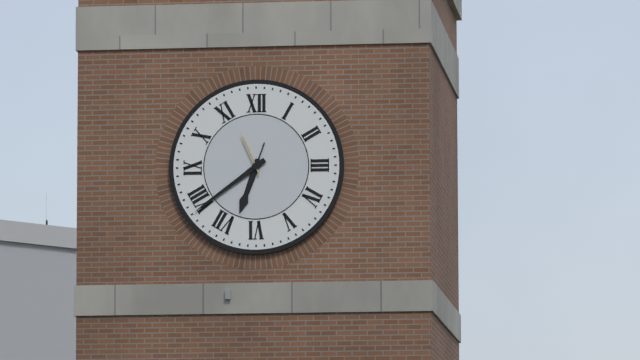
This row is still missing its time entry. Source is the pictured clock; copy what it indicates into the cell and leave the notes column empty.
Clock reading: 6:39
